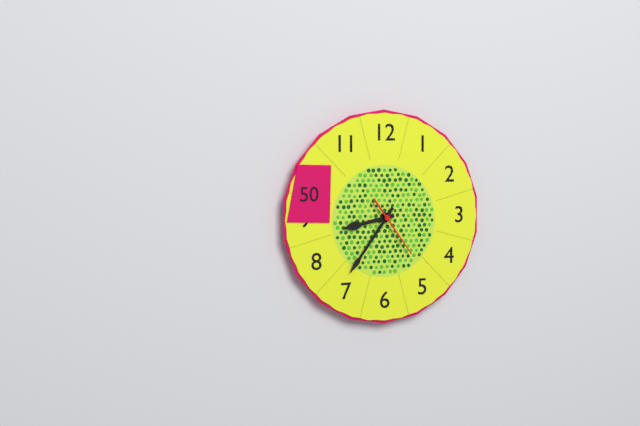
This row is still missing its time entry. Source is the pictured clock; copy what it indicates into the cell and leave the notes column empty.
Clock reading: 8:36:24
